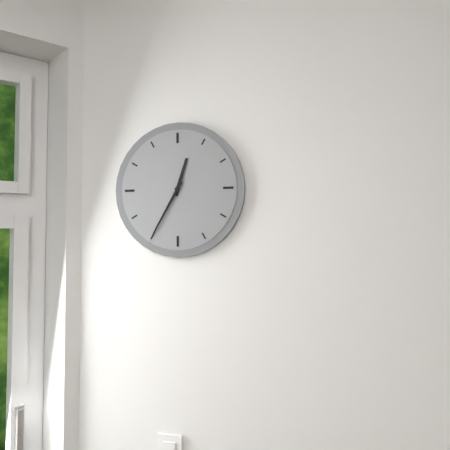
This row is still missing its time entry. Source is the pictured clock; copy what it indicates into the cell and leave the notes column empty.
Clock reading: 12:35
